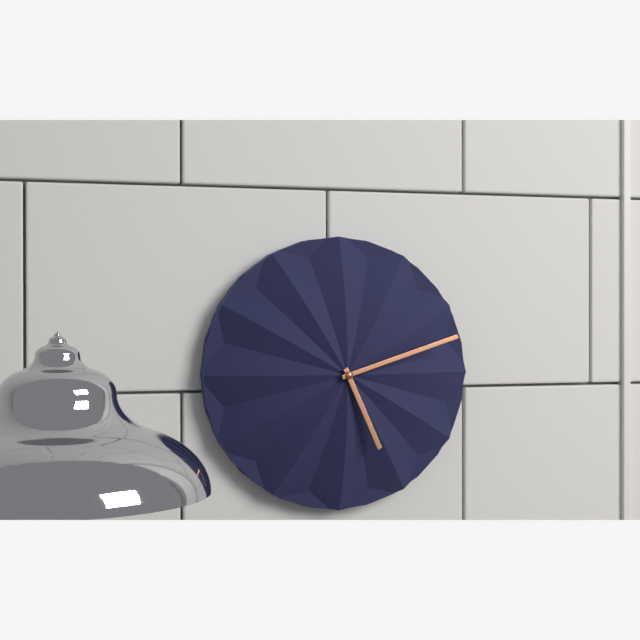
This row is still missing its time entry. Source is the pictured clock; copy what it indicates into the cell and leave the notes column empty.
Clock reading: 5:12
